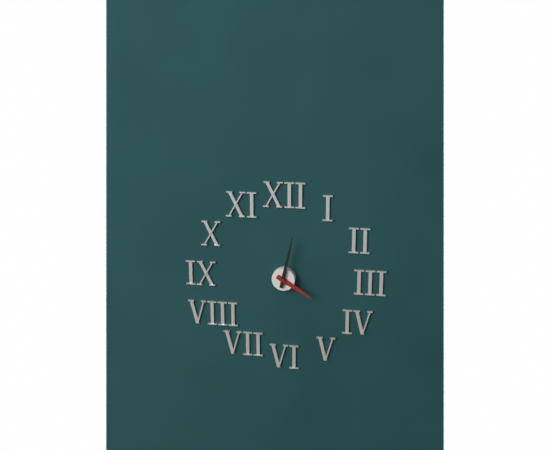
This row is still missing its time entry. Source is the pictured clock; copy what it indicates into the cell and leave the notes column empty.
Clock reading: 4:02
